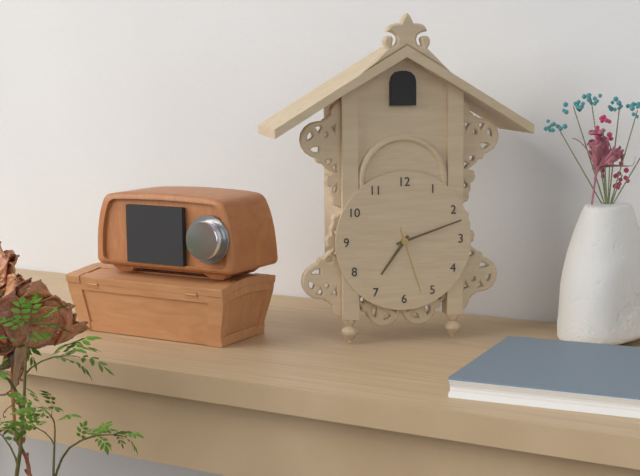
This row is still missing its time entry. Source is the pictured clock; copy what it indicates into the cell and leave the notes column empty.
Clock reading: 7:12:27
